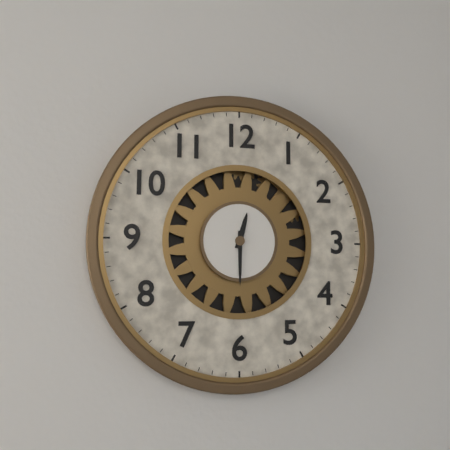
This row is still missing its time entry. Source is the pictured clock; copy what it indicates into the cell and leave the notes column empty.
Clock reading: 12:30
